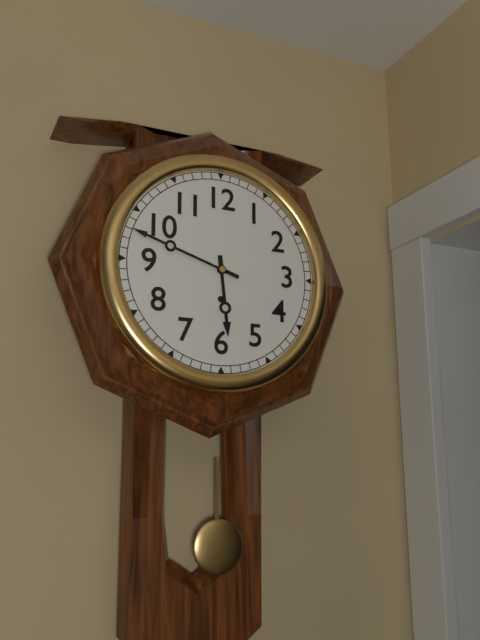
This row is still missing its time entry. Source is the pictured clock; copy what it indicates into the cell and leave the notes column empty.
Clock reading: 5:48
